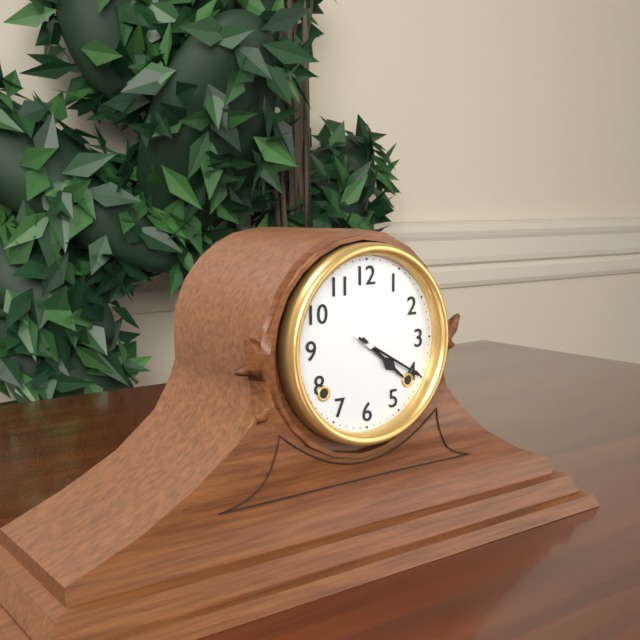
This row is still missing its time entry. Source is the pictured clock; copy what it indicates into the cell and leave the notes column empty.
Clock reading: 4:20
